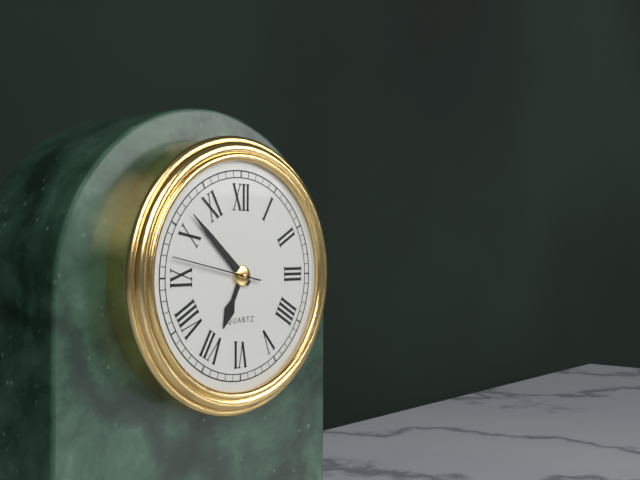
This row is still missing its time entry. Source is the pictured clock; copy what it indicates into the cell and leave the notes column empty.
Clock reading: 6:52:47
